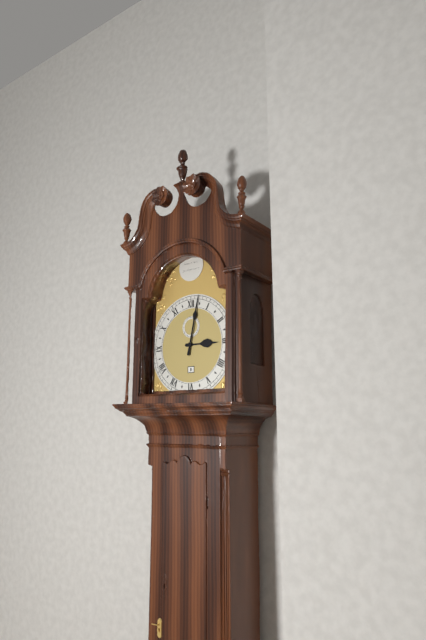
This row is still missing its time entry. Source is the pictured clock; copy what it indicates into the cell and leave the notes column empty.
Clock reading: 3:02
